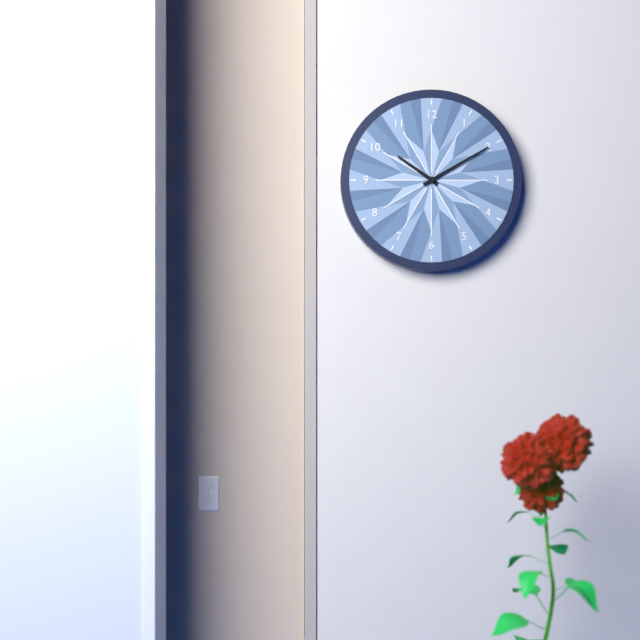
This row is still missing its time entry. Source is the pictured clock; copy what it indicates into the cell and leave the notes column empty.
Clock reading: 10:10
